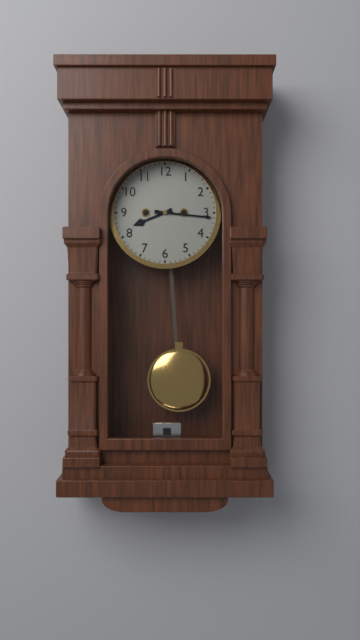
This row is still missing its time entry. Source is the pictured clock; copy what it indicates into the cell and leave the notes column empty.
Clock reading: 8:16
